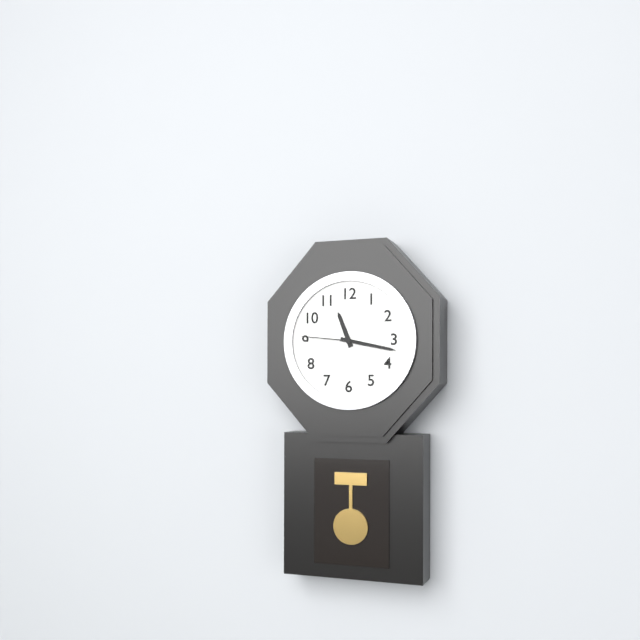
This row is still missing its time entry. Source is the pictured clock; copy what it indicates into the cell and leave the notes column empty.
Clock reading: 11:17:46
